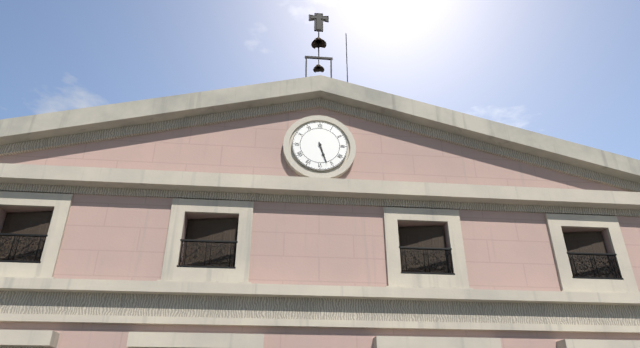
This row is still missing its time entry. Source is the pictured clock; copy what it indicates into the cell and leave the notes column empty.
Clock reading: 5:27
